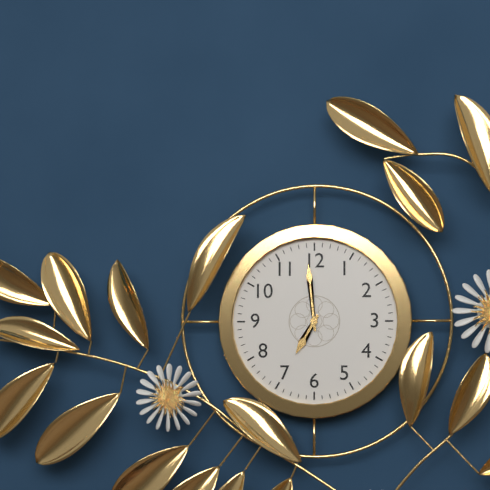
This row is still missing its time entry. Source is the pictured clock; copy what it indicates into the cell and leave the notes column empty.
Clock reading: 6:59
